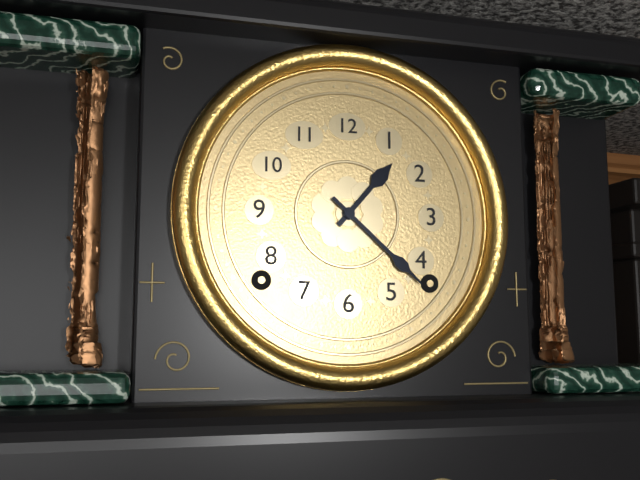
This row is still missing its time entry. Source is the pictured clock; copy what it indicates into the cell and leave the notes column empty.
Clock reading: 1:22
